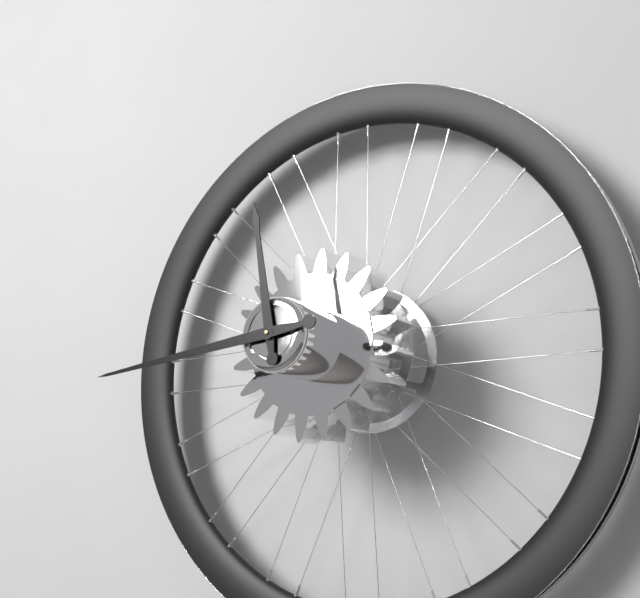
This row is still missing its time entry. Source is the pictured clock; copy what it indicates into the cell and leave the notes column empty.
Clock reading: 11:44
